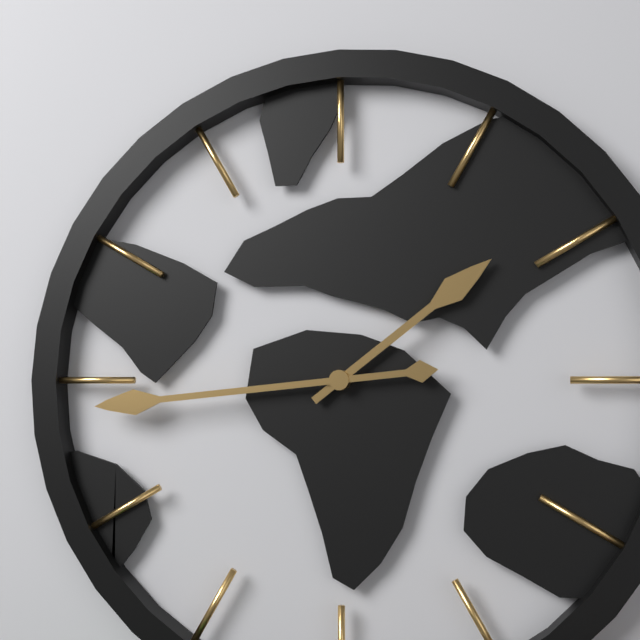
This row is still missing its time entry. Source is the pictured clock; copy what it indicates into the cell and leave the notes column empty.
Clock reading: 1:44
